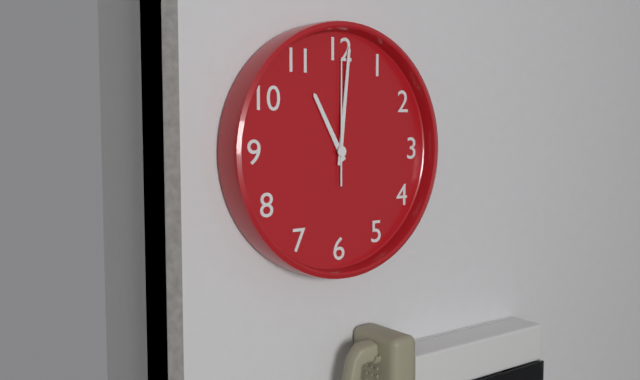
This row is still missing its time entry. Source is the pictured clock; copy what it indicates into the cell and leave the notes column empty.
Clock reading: 11:01:00
